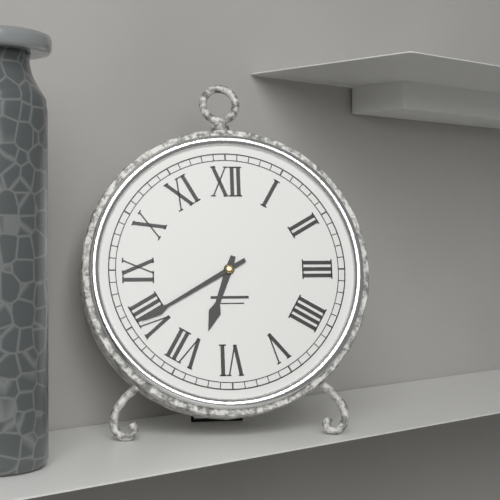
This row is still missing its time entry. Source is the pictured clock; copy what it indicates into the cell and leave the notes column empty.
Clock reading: 6:40
